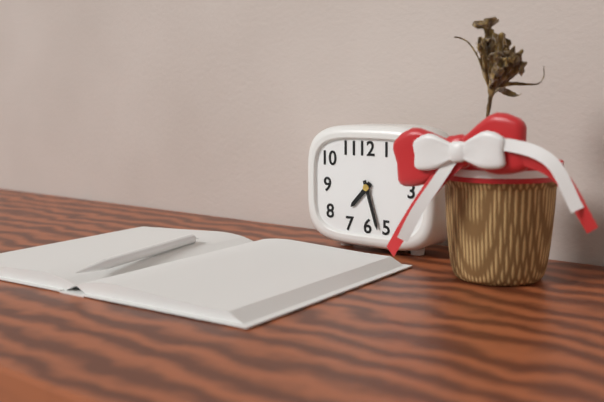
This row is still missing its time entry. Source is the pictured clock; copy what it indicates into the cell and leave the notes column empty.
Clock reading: 7:27
